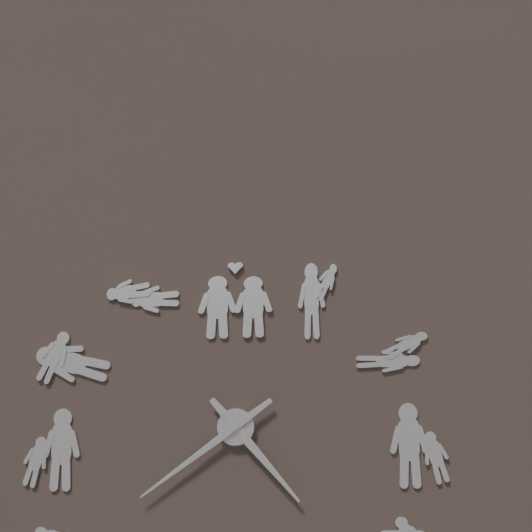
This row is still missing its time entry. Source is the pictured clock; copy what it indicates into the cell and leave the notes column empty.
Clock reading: 4:39
